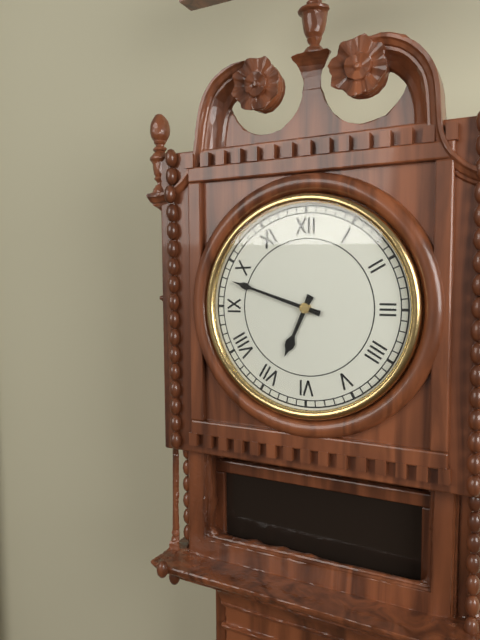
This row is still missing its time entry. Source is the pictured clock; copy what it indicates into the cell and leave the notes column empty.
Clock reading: 6:48
